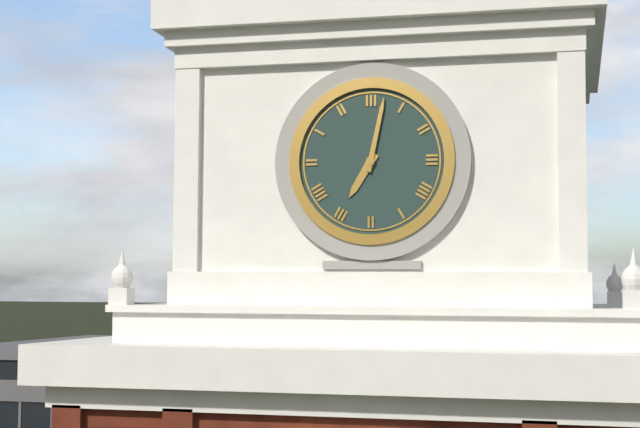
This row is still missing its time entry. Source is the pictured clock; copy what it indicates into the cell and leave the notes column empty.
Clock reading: 7:02
